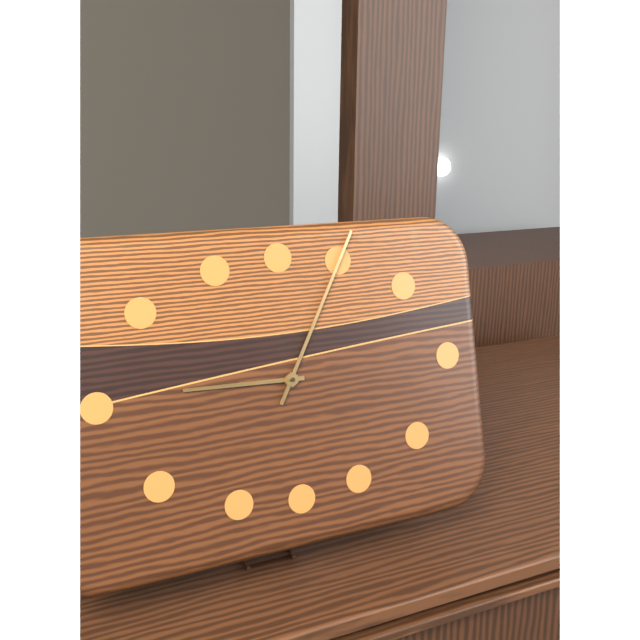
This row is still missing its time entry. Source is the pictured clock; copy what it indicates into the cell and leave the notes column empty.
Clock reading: 9:05
